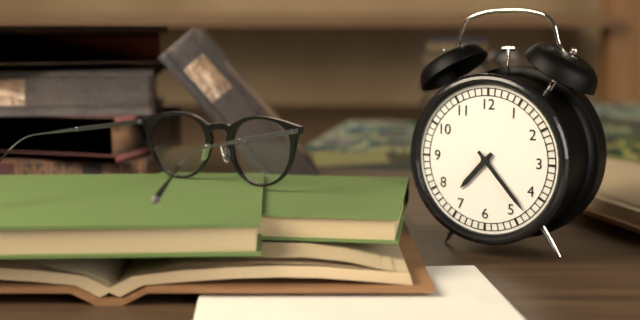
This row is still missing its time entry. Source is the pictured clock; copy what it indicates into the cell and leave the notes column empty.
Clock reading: 7:23
